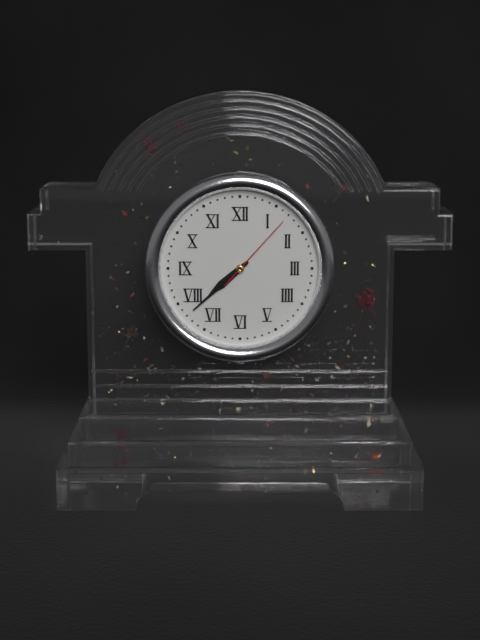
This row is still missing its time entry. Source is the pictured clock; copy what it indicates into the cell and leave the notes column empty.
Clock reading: 7:38:07
